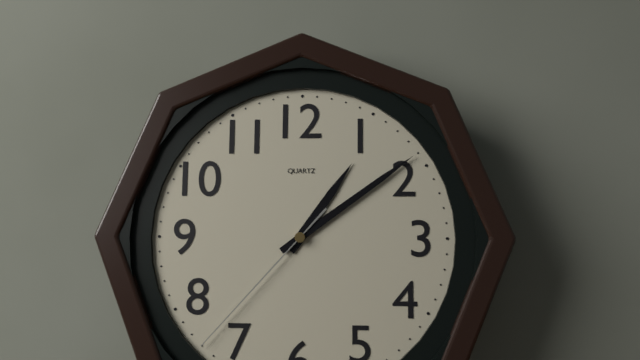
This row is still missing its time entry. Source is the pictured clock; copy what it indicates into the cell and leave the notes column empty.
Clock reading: 1:09:37
